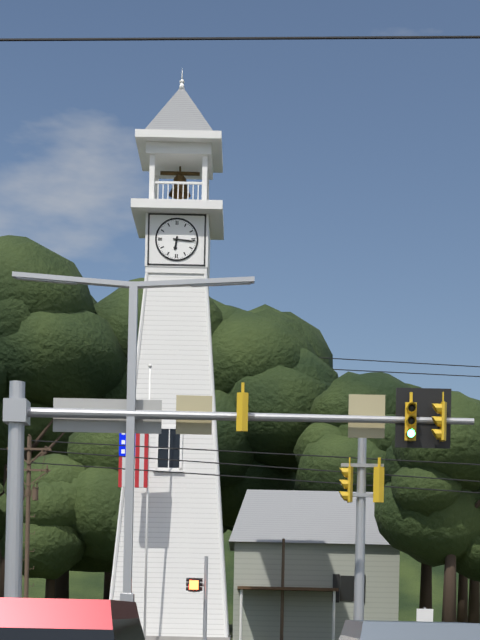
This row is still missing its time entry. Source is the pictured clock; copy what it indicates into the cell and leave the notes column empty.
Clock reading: 6:16
